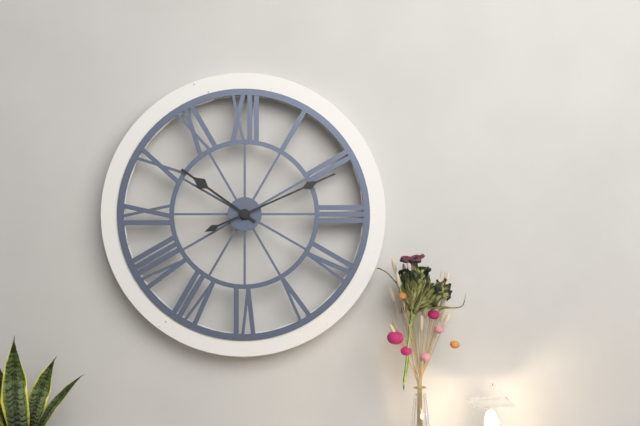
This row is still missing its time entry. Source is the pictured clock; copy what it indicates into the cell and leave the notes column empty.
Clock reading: 10:11
